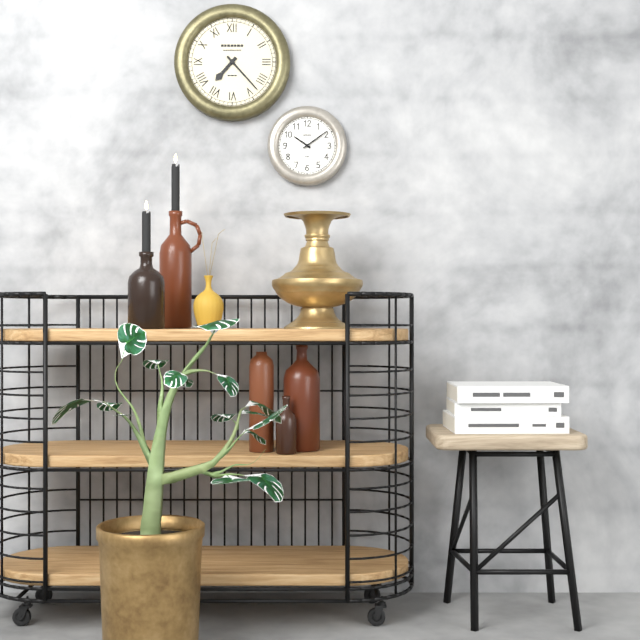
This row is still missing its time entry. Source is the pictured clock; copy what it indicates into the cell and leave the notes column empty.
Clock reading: 7:23
